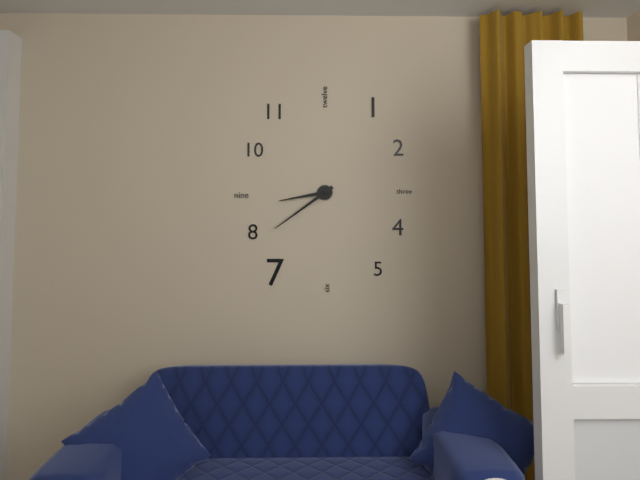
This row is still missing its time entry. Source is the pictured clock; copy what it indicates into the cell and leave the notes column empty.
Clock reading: 8:39
